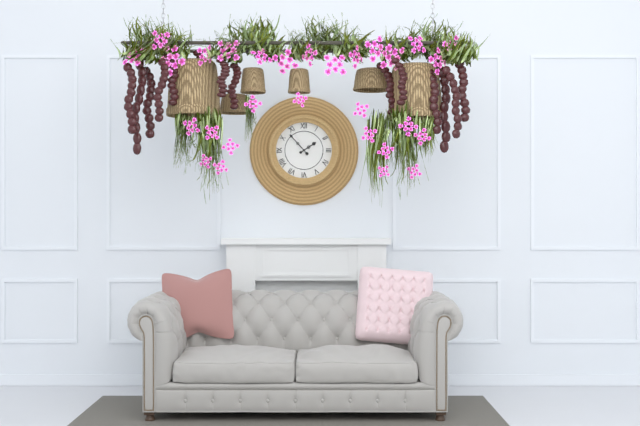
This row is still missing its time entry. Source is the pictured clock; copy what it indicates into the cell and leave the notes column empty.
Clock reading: 1:53
